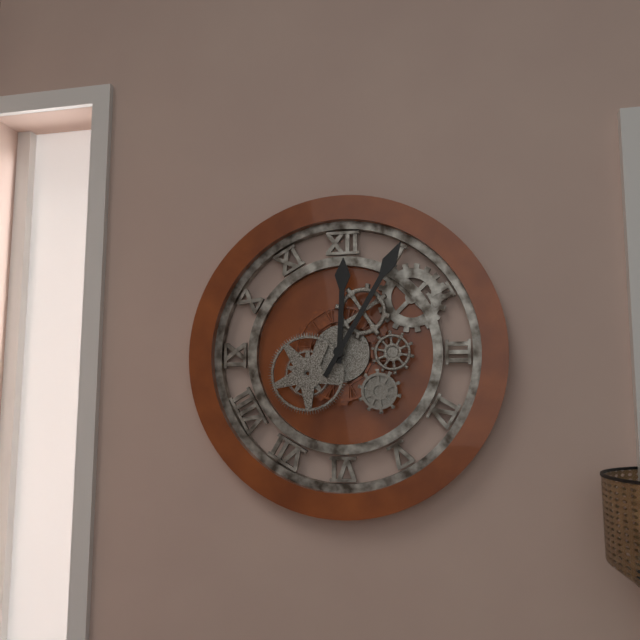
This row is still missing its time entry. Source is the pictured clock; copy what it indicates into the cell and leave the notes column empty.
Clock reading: 12:05
